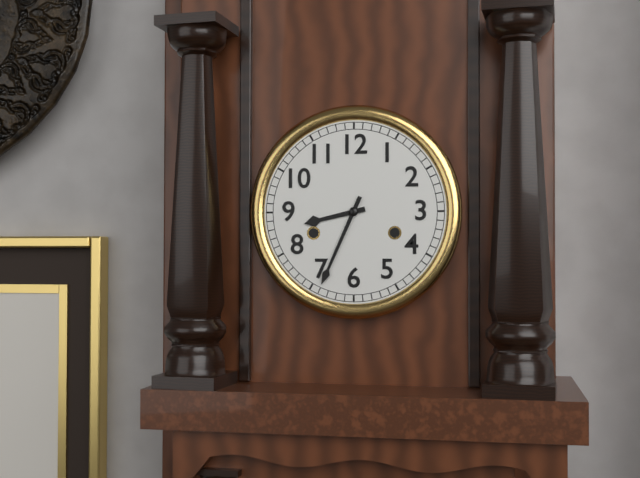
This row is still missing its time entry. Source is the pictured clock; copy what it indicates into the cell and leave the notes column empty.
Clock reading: 8:34
